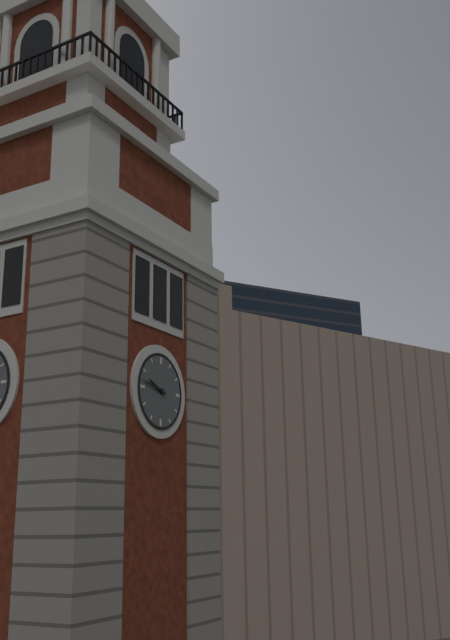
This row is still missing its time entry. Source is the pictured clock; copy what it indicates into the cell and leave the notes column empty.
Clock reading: 9:47
